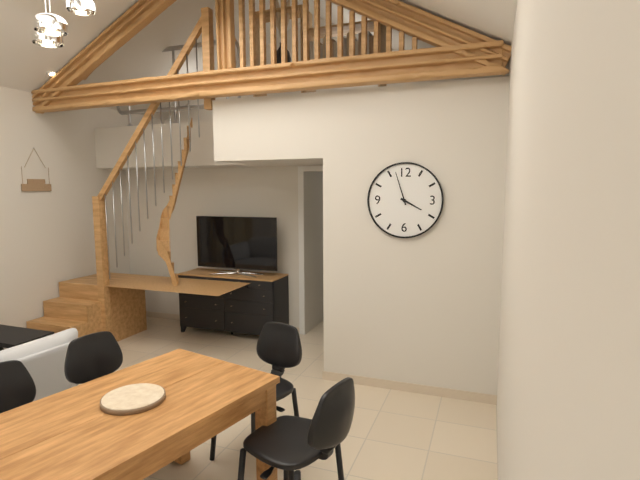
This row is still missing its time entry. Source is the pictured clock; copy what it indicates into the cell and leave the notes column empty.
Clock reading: 3:57
